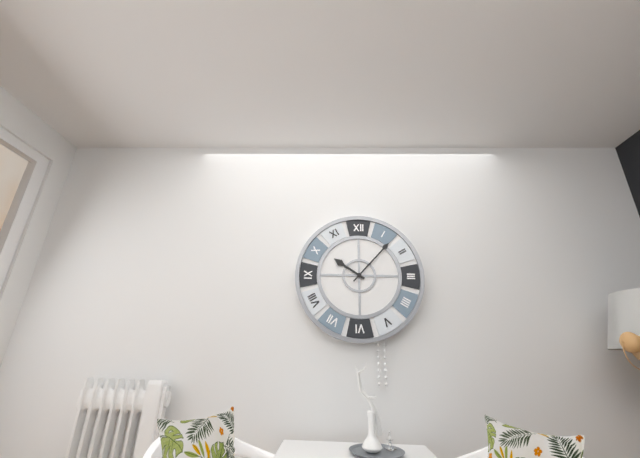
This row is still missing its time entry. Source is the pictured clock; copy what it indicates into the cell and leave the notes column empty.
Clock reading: 10:07
